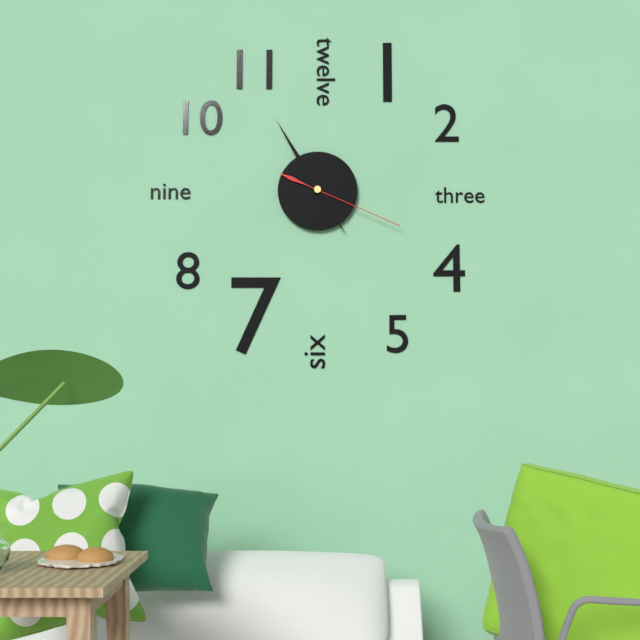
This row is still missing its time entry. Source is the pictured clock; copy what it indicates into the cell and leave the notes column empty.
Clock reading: 4:55:19
